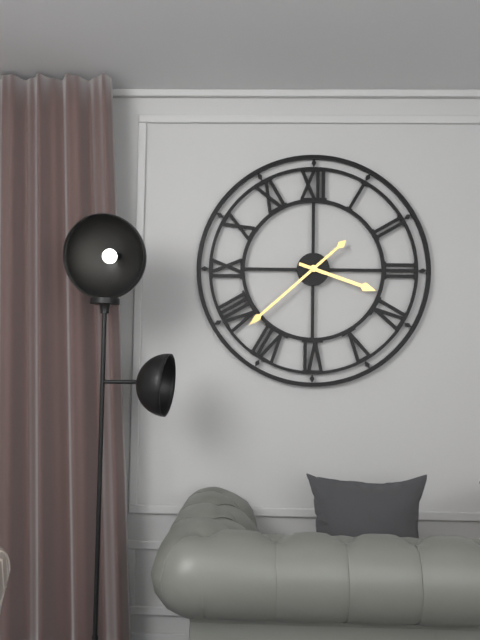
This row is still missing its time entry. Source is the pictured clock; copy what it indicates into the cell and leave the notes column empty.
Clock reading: 3:38
